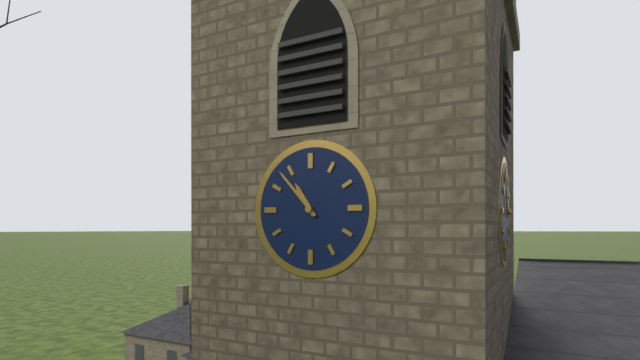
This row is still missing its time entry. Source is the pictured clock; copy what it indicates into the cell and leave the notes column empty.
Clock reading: 10:53
